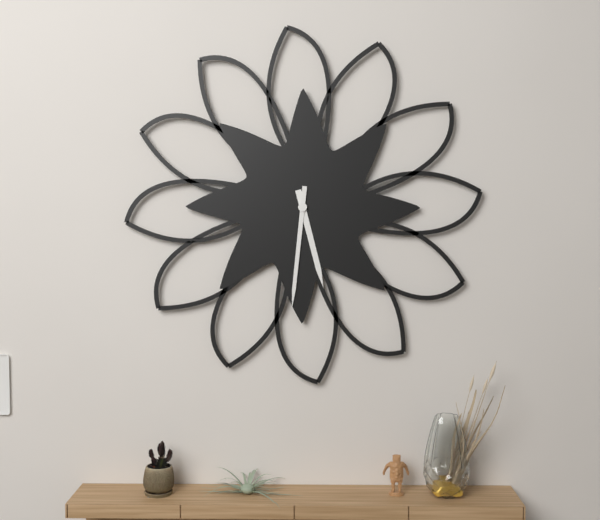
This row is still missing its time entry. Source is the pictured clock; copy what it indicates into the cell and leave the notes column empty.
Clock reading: 5:31
